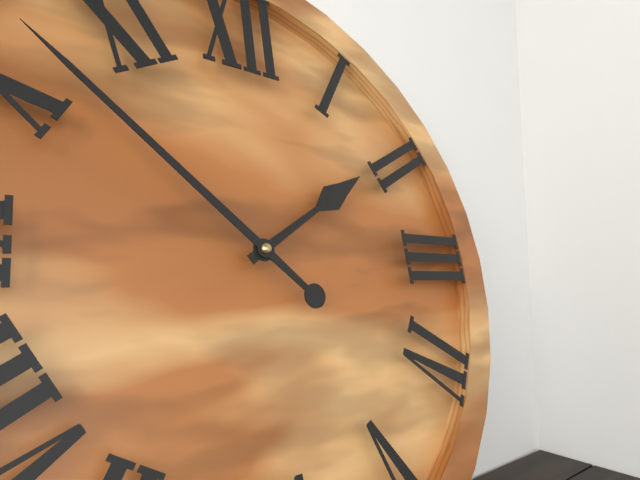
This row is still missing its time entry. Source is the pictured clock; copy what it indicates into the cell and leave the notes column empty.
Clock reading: 1:52
